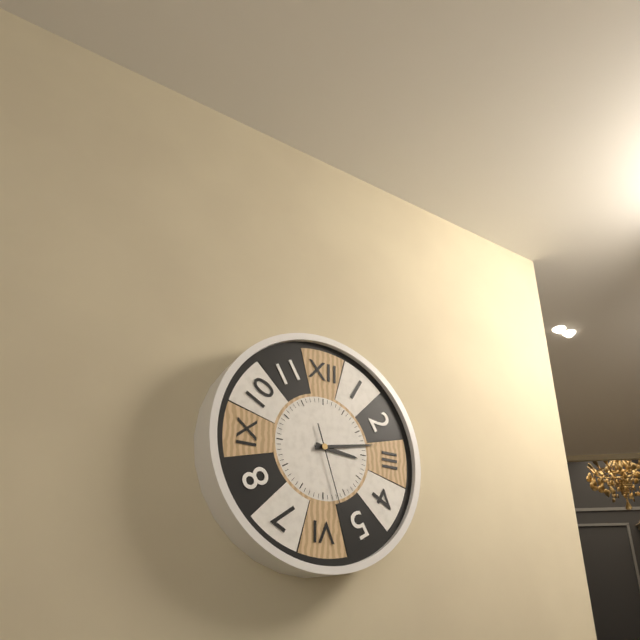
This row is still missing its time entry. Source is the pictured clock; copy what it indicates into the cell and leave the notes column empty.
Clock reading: 3:13:27
